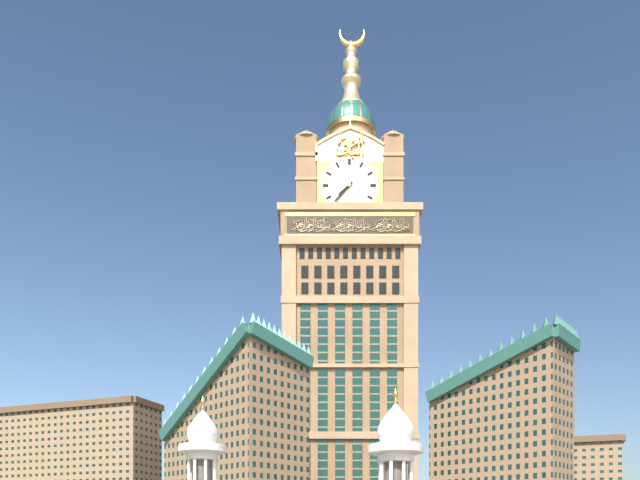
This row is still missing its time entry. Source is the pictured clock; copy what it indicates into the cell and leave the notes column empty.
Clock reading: 7:37
